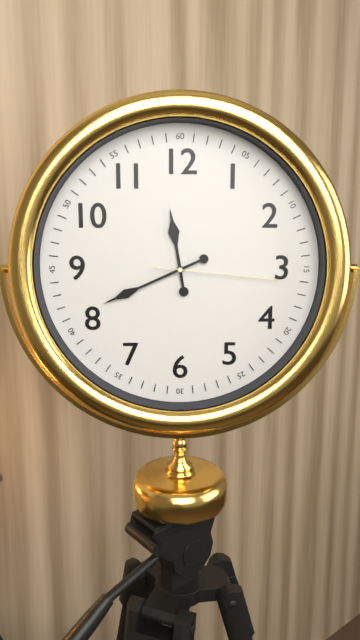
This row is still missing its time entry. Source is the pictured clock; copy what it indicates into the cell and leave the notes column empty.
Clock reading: 11:41:16
